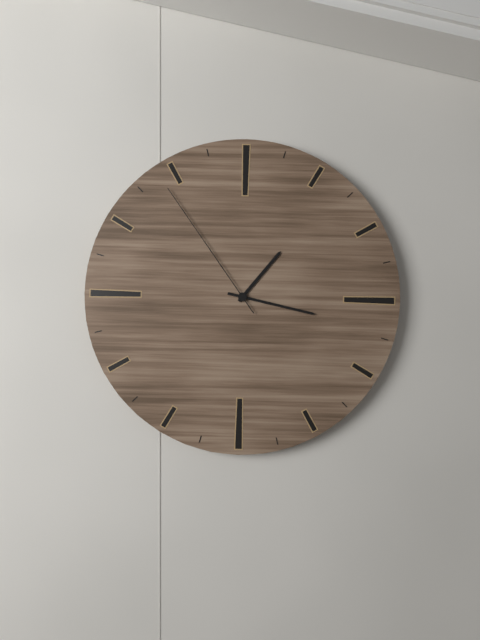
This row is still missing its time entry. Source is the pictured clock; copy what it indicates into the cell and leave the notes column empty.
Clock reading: 1:17:54
